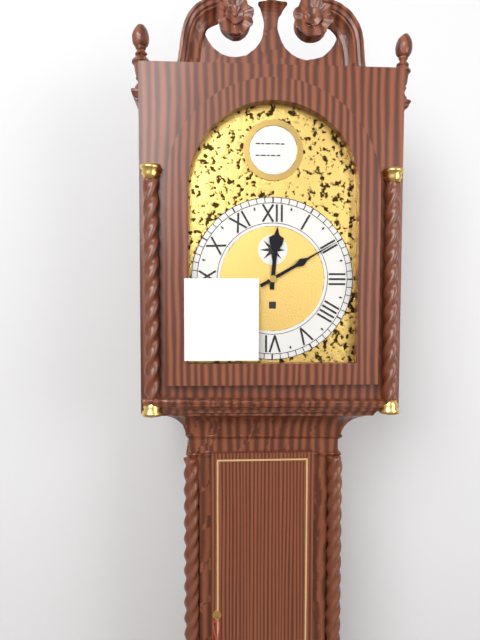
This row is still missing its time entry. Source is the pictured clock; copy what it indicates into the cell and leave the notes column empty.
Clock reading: 12:10
